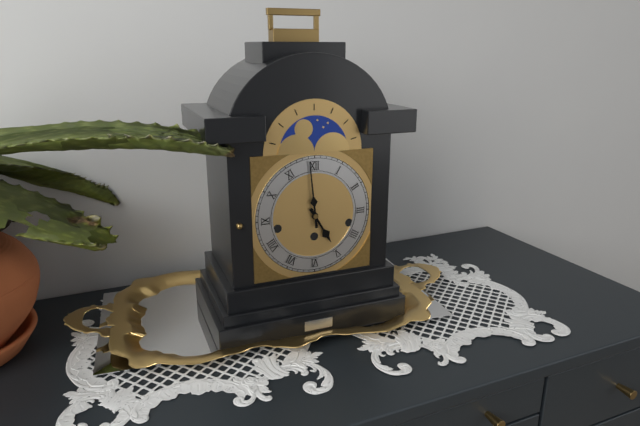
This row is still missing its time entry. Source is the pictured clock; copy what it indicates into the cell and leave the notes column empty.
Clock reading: 4:59
